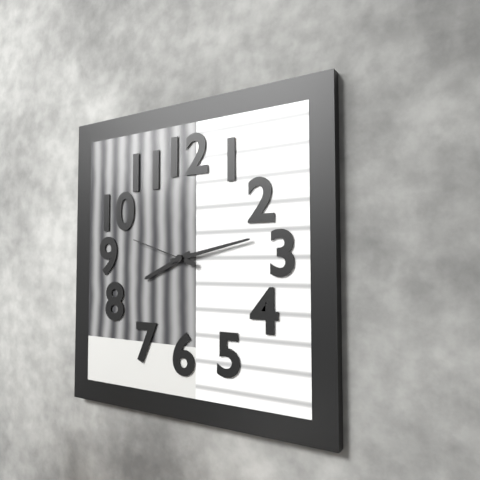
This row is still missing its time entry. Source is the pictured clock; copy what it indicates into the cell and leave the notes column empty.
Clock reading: 8:13:48
